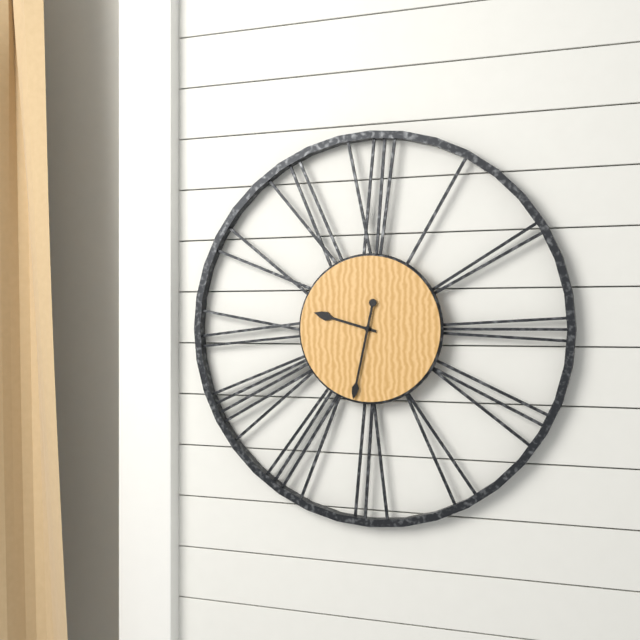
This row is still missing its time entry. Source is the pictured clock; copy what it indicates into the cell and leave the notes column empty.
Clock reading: 9:32
